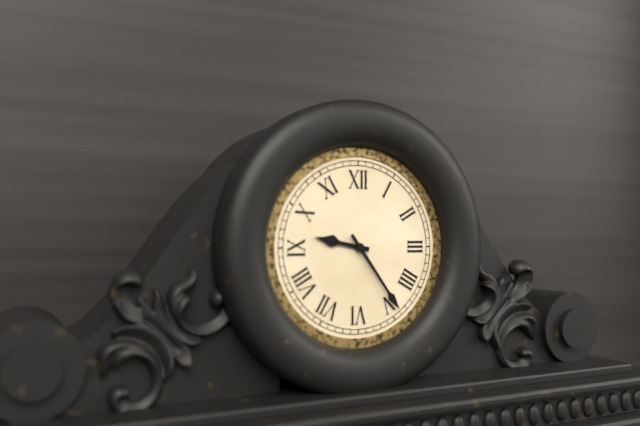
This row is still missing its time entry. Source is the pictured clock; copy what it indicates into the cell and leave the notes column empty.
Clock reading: 9:24
